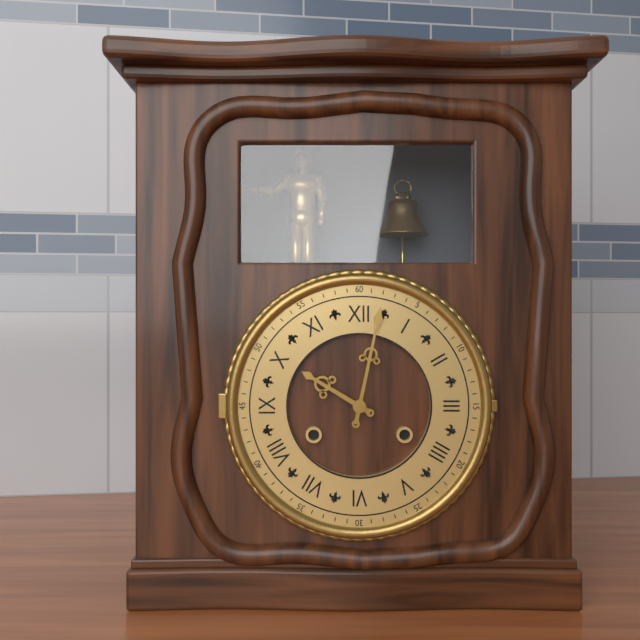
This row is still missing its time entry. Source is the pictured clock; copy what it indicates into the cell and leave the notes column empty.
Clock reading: 10:02
